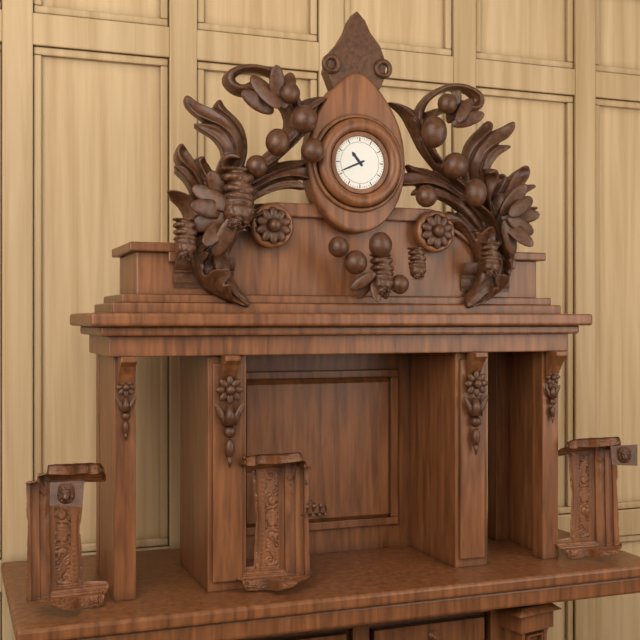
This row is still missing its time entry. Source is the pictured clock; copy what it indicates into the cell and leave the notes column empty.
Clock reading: 10:41
